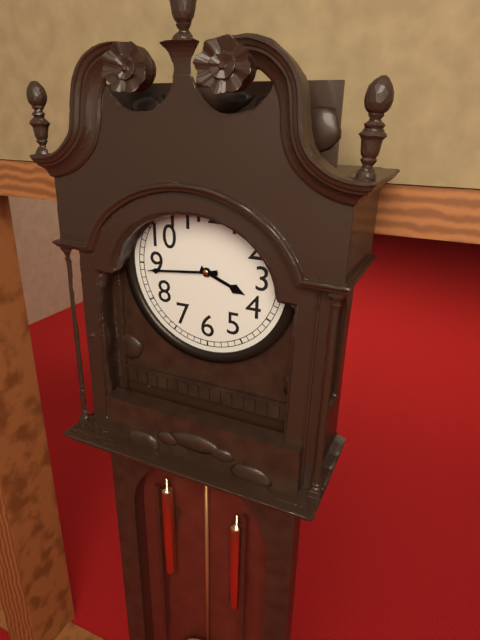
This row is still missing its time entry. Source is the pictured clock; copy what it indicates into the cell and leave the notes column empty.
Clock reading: 3:44
